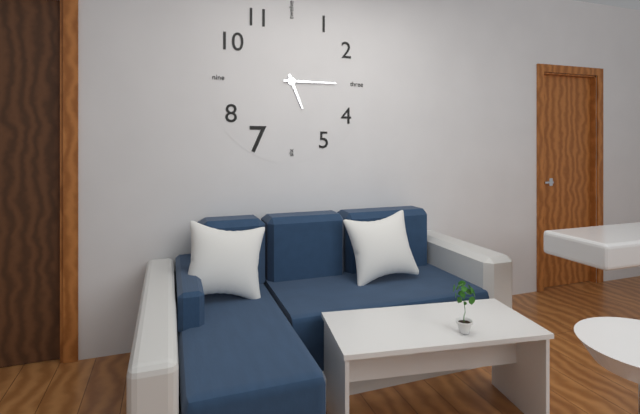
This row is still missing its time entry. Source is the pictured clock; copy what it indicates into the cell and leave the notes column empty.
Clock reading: 5:15
